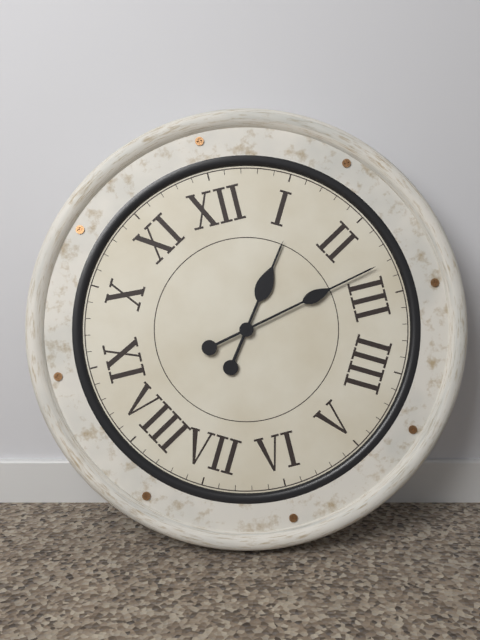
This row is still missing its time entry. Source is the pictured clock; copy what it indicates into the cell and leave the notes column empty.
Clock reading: 1:13
